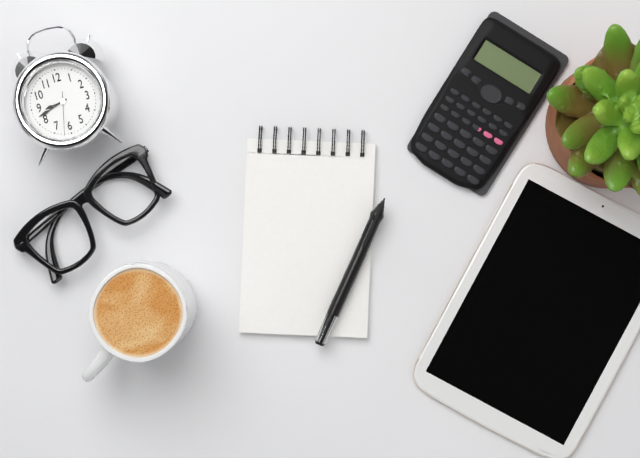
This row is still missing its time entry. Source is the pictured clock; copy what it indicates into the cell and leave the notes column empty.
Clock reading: 8:42
